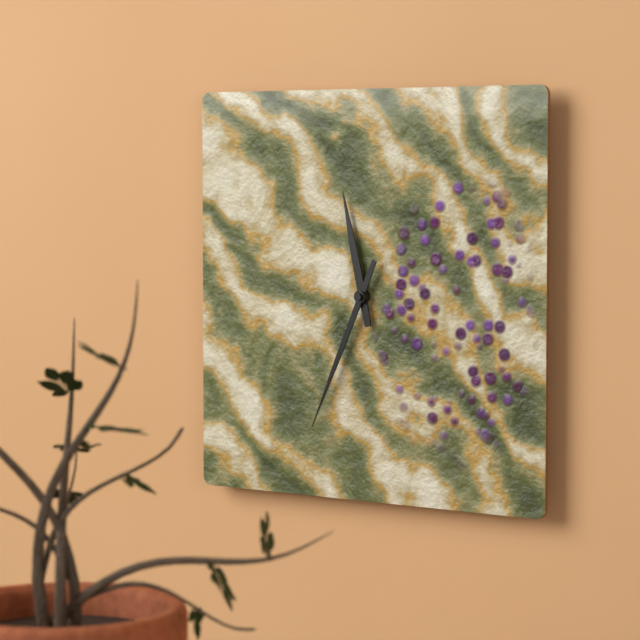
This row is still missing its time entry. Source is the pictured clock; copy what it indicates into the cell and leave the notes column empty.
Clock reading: 11:34
